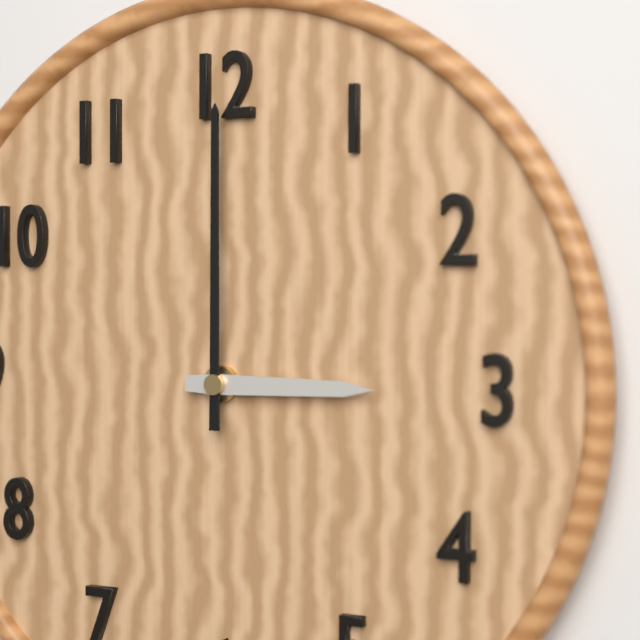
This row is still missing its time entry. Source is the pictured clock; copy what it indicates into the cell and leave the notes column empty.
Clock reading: 3:00
